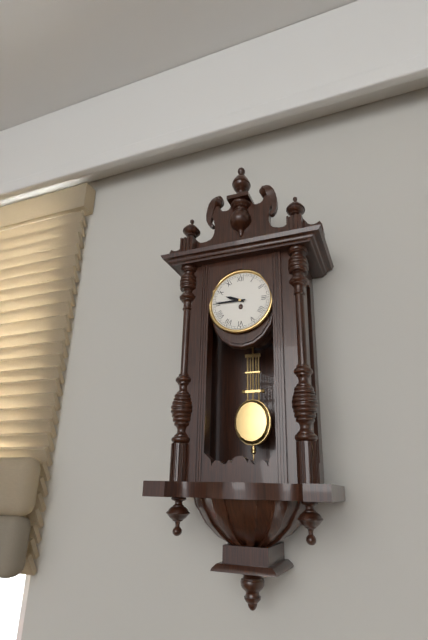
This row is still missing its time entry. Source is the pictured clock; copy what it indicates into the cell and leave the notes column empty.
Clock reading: 9:45
